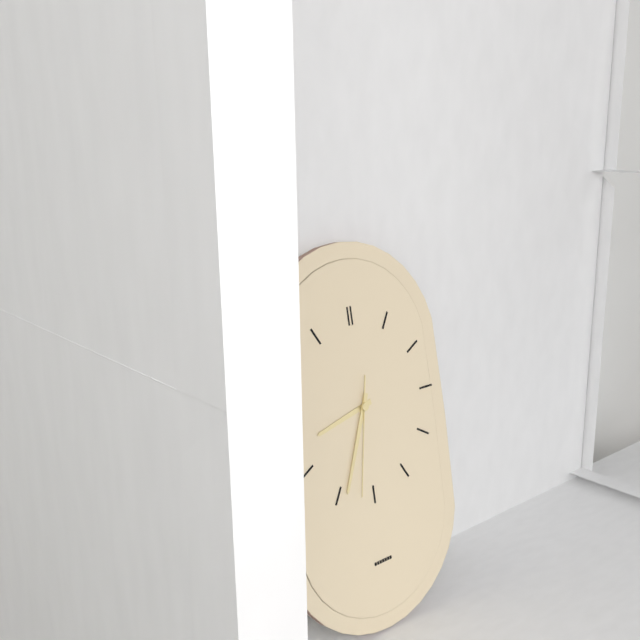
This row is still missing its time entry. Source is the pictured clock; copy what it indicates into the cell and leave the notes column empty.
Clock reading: 8:34:32
